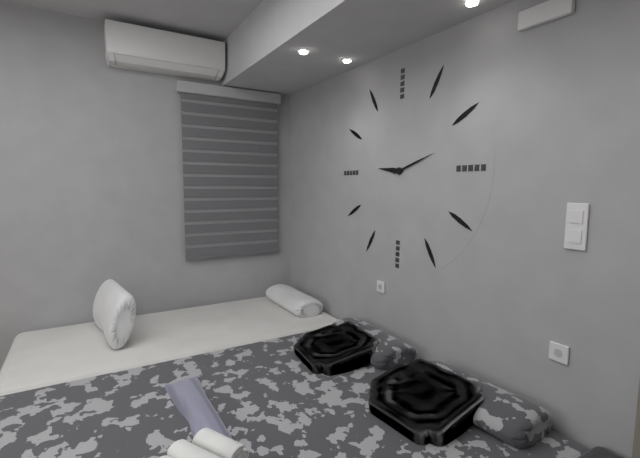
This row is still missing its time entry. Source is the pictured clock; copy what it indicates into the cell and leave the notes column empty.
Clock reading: 9:12
